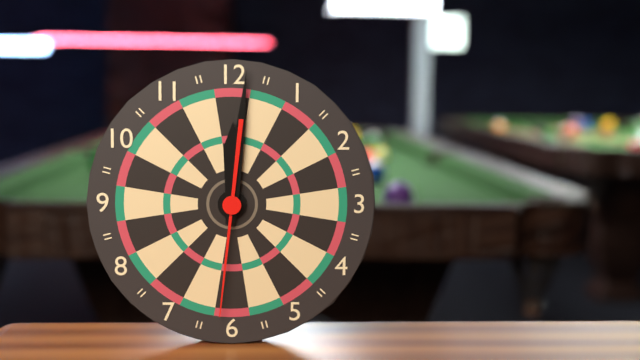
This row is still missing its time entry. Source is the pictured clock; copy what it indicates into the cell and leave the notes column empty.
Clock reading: 12:01:31
